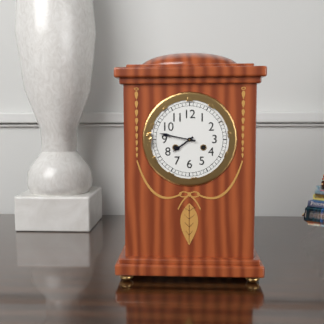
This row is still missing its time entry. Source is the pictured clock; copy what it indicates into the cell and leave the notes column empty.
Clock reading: 7:47
